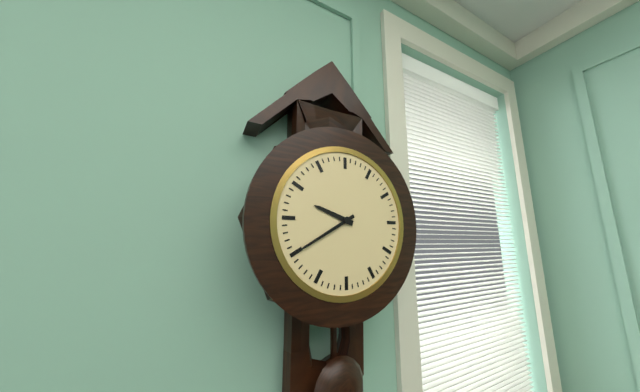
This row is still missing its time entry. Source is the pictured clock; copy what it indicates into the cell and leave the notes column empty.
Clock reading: 9:40
